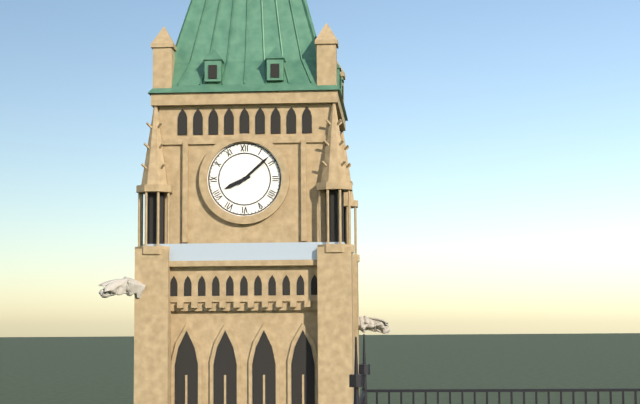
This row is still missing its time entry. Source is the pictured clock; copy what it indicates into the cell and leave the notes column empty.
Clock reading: 8:08
